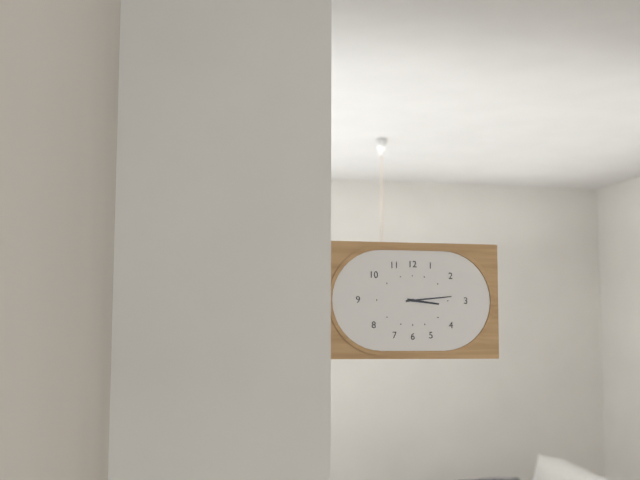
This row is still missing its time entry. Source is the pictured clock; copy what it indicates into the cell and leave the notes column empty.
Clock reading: 3:14
